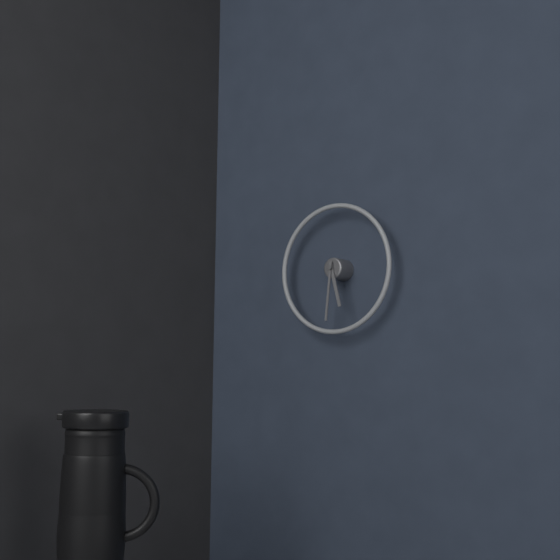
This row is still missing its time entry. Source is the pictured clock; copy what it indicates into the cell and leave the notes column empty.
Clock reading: 5:31
